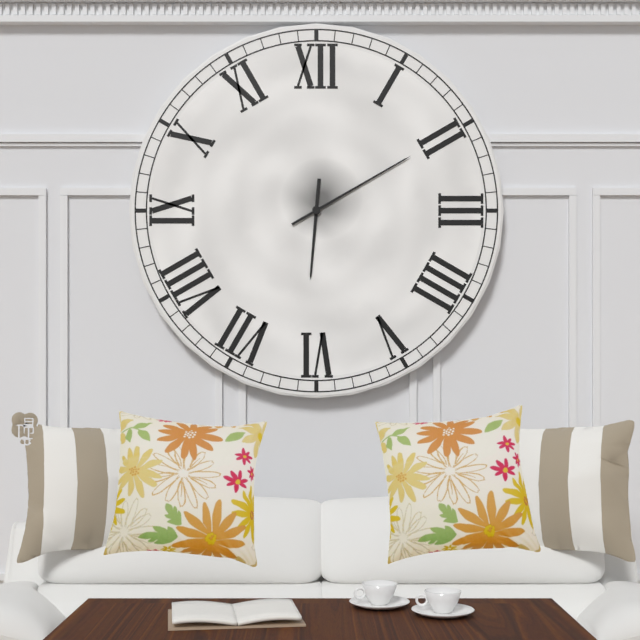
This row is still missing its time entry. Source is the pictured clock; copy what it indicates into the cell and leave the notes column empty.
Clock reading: 6:10
